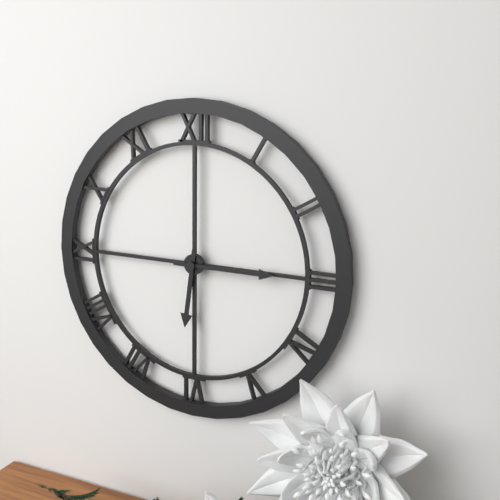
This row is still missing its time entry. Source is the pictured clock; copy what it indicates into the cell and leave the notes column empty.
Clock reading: 6:15
